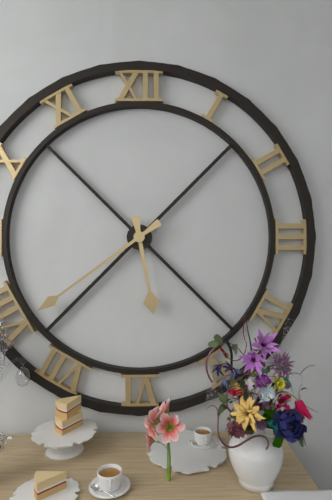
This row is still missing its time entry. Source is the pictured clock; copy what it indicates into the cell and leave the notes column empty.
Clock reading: 5:39
